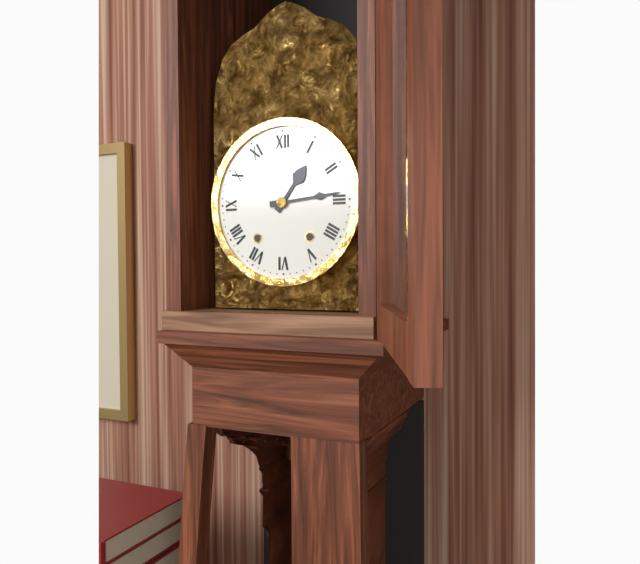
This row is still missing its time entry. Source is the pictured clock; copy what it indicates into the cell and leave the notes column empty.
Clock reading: 1:14
